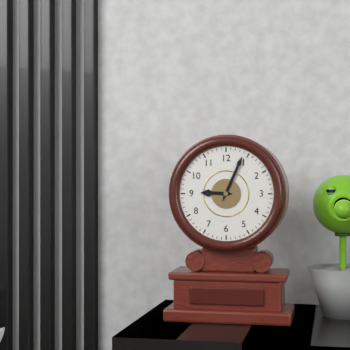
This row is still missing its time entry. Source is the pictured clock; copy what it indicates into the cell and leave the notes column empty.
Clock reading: 9:04
